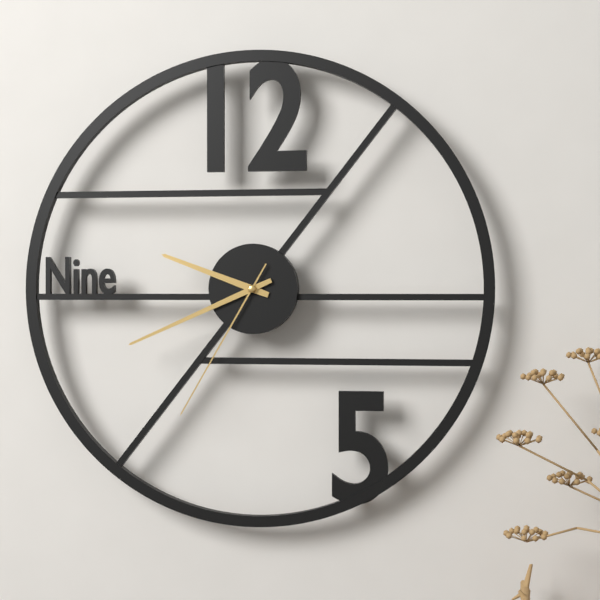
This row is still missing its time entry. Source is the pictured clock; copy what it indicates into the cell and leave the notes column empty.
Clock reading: 9:41:35
